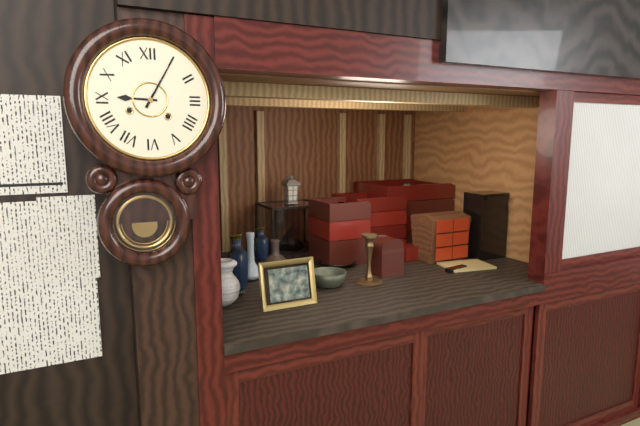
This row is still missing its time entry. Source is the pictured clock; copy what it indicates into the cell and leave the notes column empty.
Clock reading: 9:05
